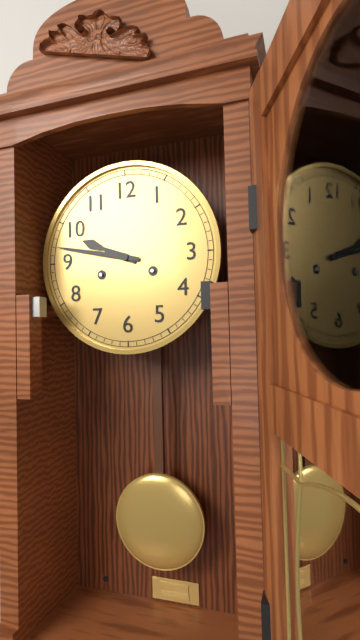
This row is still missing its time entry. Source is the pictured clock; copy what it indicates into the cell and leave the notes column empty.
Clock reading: 9:47
